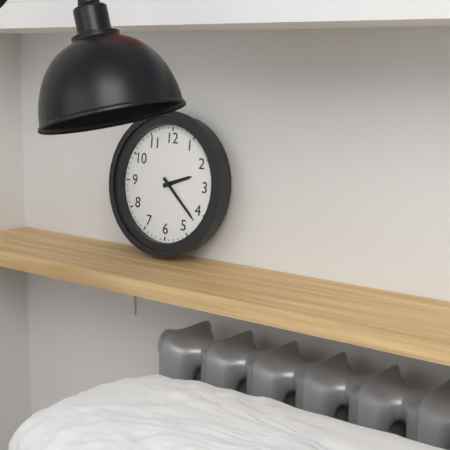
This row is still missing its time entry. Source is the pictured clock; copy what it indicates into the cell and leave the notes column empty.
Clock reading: 2:22
